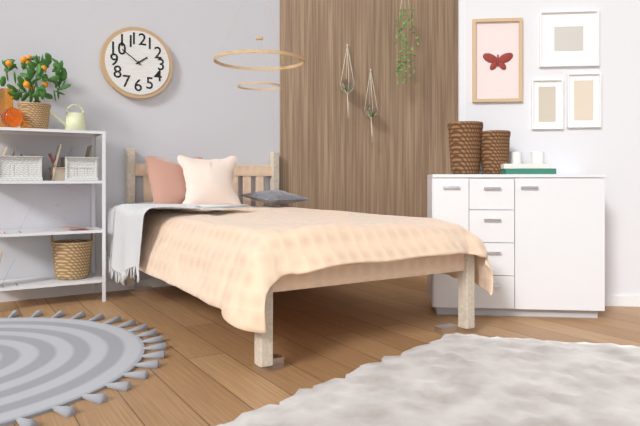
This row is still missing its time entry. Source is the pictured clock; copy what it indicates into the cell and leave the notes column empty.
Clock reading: 1:51
